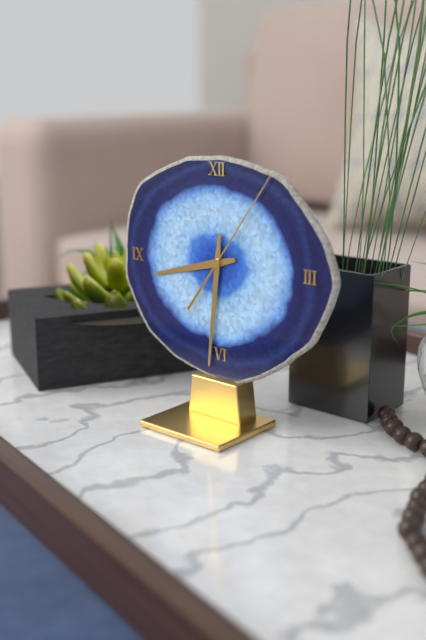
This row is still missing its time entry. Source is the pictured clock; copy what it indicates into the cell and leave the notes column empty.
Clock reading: 8:31:06
